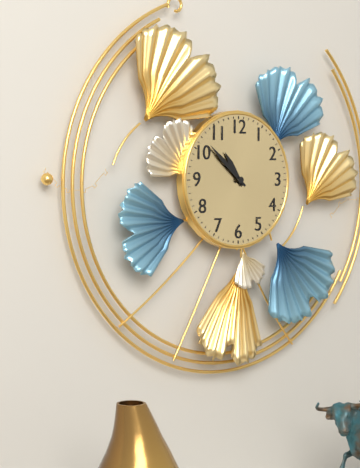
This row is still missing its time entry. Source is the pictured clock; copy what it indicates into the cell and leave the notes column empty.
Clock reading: 10:52
